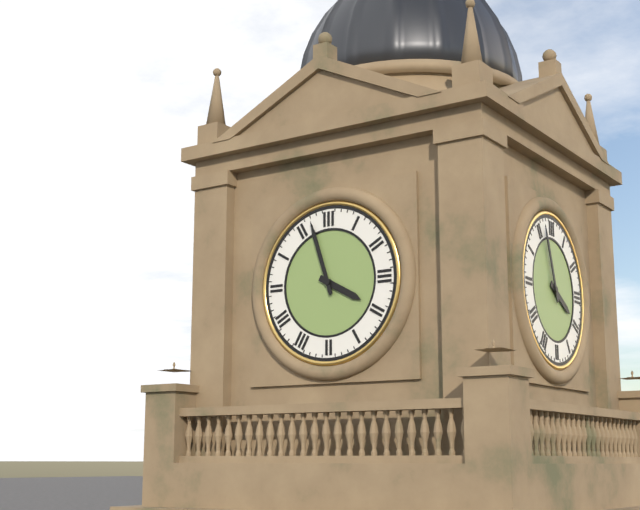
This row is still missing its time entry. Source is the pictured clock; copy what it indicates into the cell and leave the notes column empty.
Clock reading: 3:57
